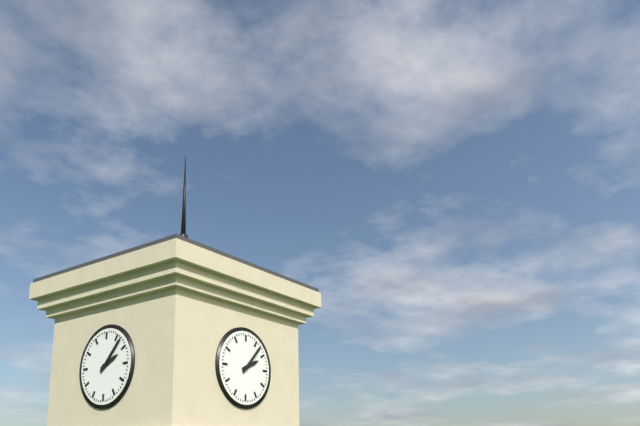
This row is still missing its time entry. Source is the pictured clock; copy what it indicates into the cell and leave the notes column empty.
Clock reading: 2:07
